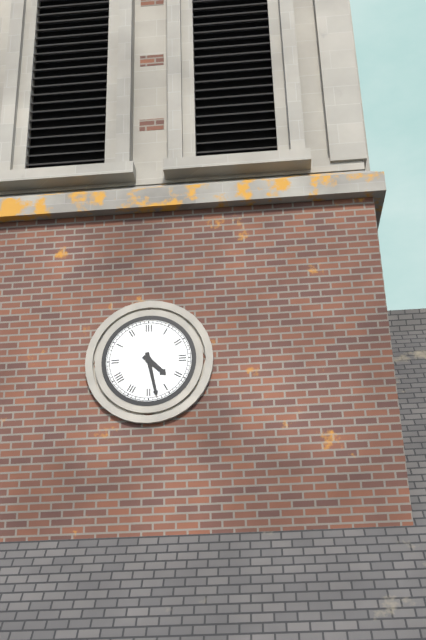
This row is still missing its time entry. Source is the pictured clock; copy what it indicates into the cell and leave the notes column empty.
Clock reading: 4:28
